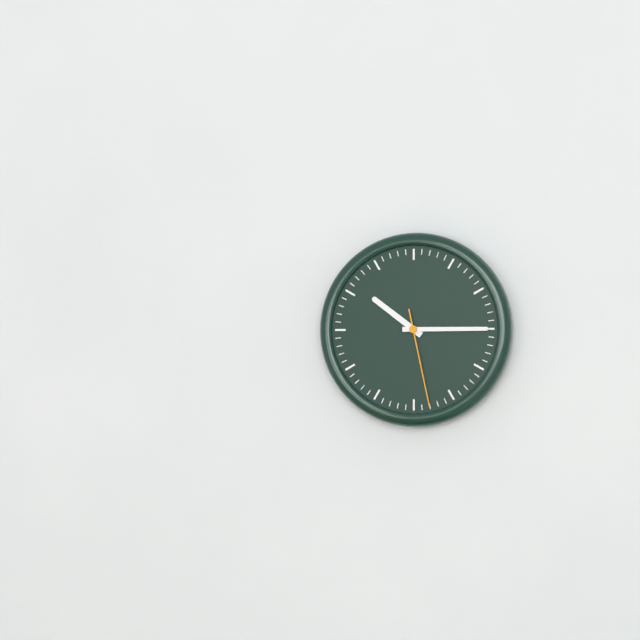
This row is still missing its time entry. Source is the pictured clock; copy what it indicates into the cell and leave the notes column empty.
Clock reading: 10:15:28
